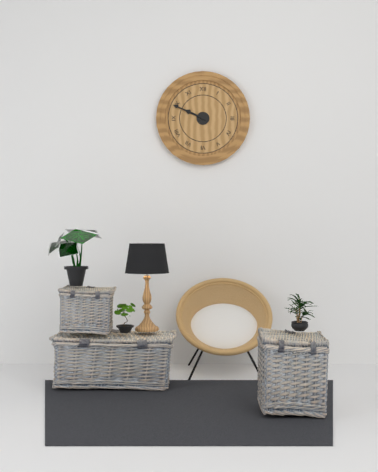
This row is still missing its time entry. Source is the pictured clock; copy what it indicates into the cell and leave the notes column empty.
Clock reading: 9:49
